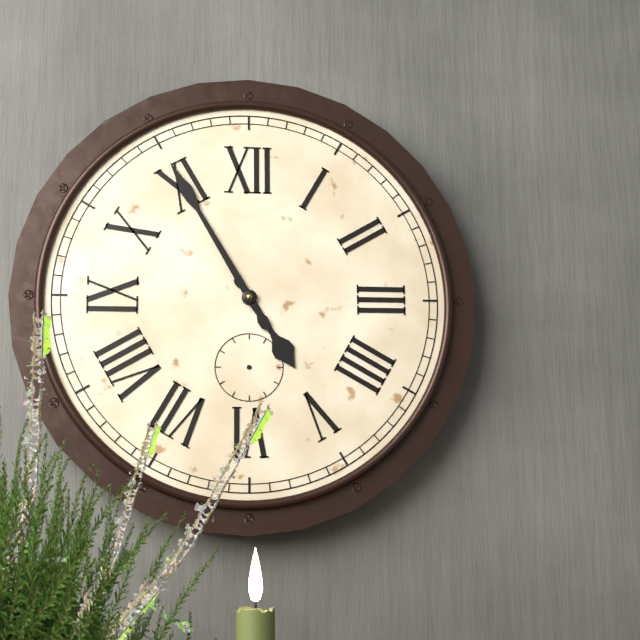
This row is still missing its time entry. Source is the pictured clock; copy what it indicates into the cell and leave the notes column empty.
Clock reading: 4:55
